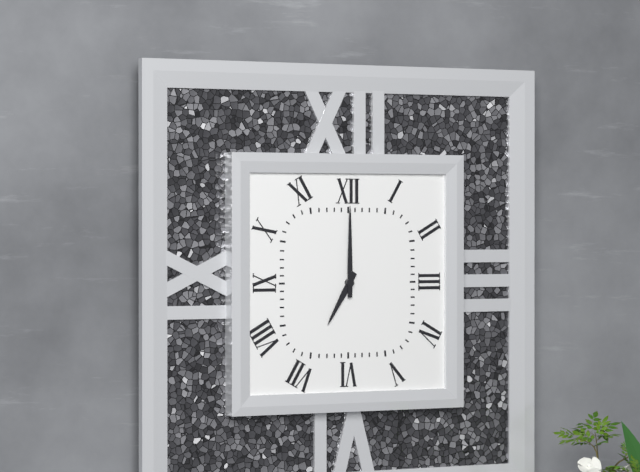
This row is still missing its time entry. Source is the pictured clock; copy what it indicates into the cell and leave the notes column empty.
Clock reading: 7:00
